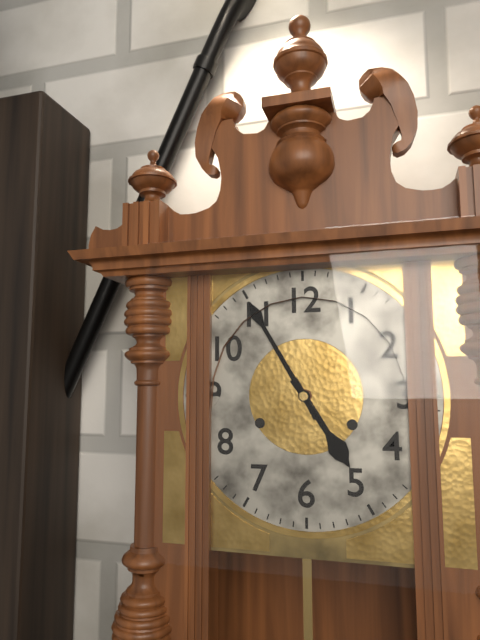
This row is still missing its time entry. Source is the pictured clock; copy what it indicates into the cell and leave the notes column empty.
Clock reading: 4:55
